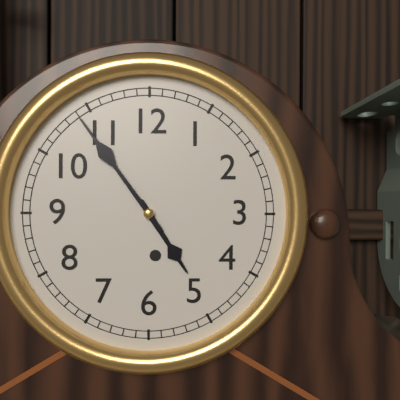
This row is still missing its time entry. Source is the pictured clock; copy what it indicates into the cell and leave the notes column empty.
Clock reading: 4:54
